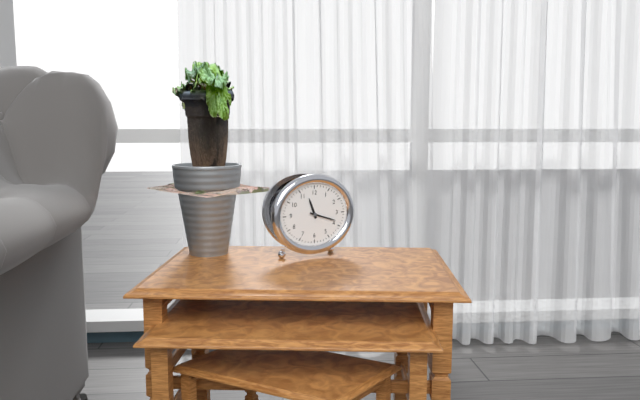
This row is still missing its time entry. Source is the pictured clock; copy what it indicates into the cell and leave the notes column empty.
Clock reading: 11:18
